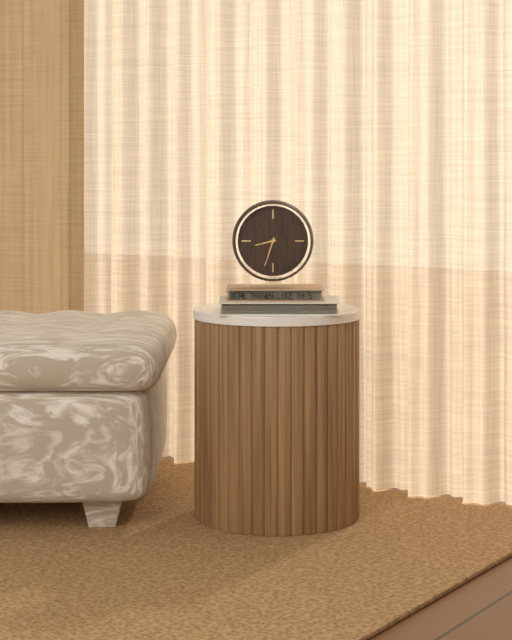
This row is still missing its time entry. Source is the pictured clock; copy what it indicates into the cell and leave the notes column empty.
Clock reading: 8:33
